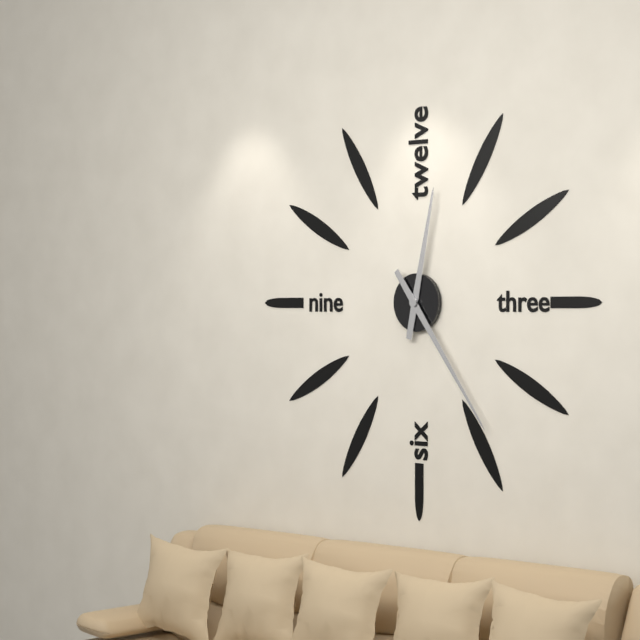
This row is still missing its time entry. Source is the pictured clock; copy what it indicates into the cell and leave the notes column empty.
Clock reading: 12:24
